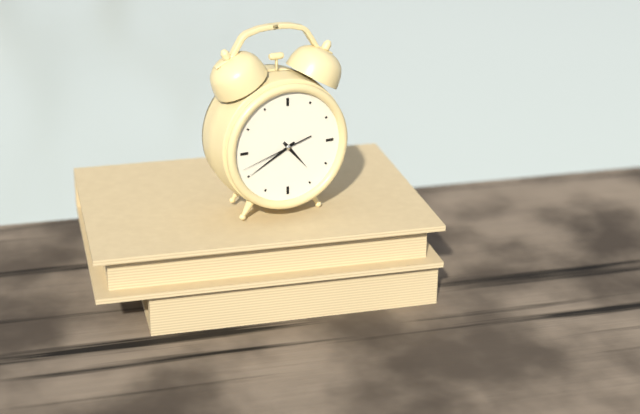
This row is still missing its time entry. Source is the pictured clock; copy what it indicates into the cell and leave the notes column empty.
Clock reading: 4:40:42
